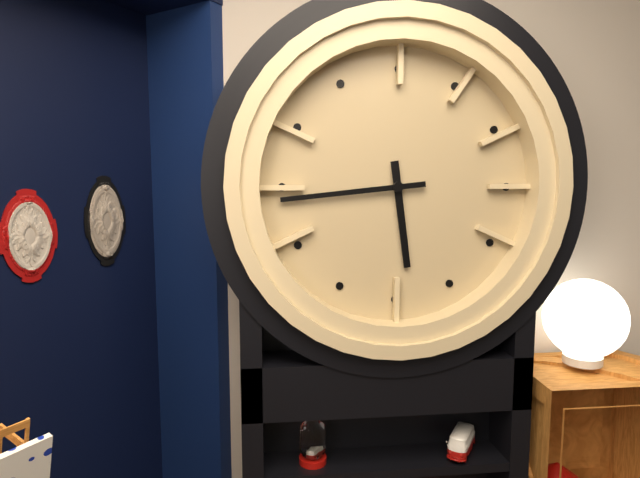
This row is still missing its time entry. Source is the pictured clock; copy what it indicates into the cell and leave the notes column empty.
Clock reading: 5:44
